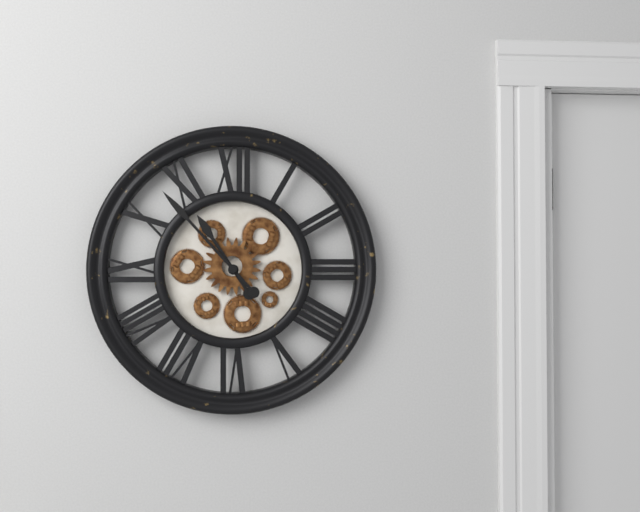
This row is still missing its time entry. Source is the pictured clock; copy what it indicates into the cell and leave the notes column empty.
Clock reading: 10:53
